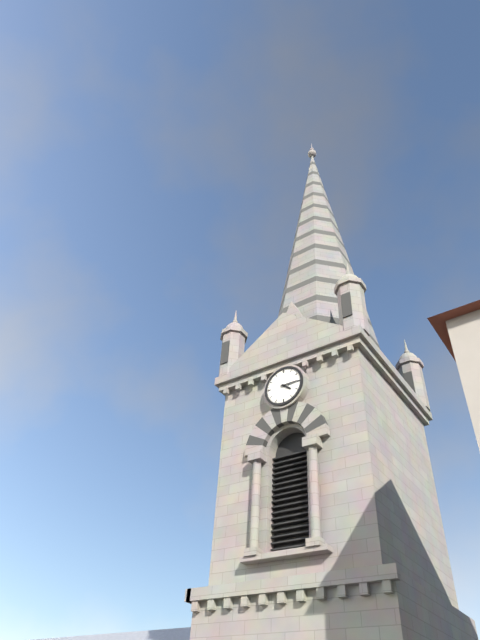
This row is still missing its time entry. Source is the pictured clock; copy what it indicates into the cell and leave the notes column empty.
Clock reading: 4:15
